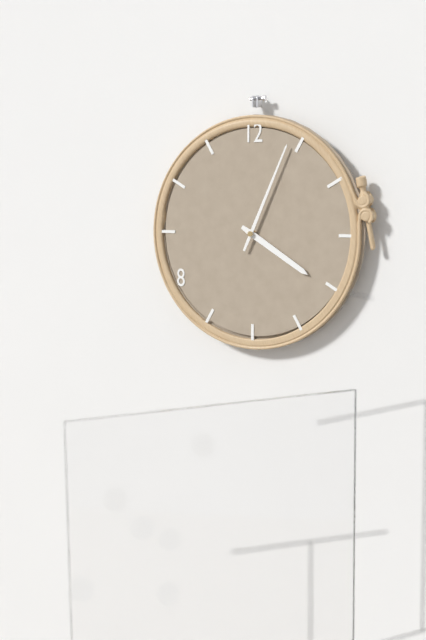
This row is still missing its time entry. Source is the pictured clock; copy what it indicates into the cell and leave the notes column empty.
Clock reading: 4:04
